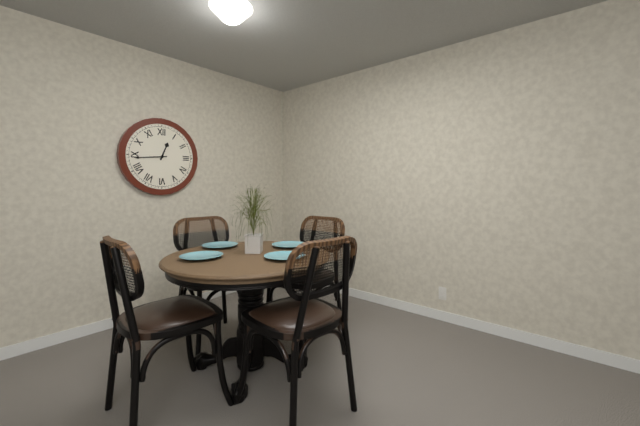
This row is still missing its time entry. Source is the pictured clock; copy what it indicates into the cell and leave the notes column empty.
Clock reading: 12:44
